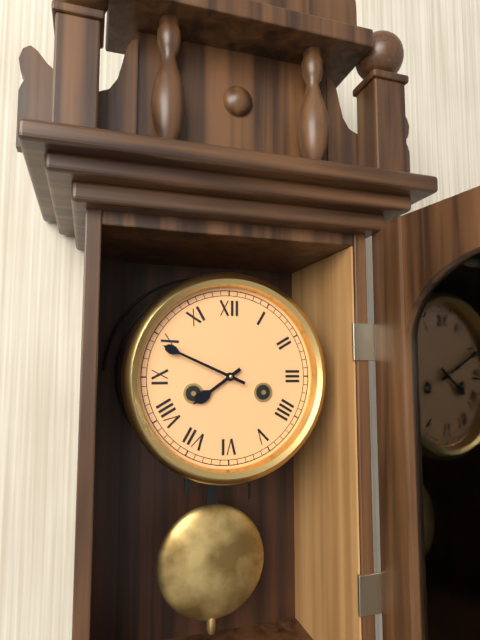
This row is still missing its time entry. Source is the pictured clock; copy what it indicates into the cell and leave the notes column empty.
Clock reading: 7:49
